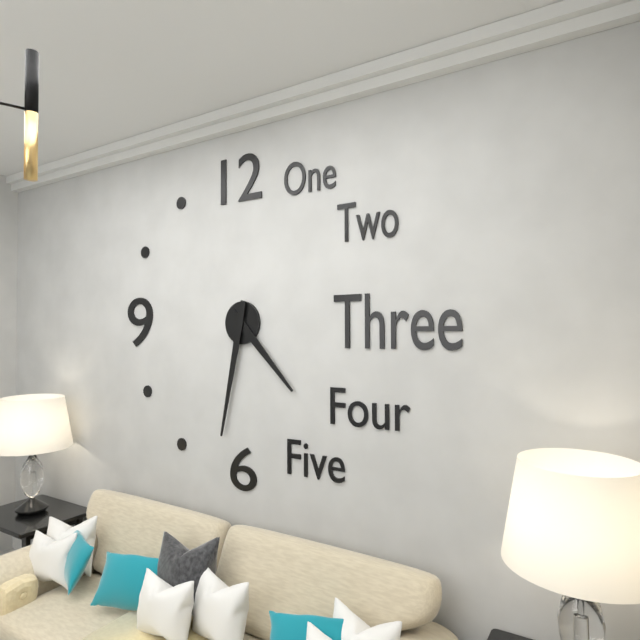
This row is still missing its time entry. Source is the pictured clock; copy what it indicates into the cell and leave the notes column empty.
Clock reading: 4:32
